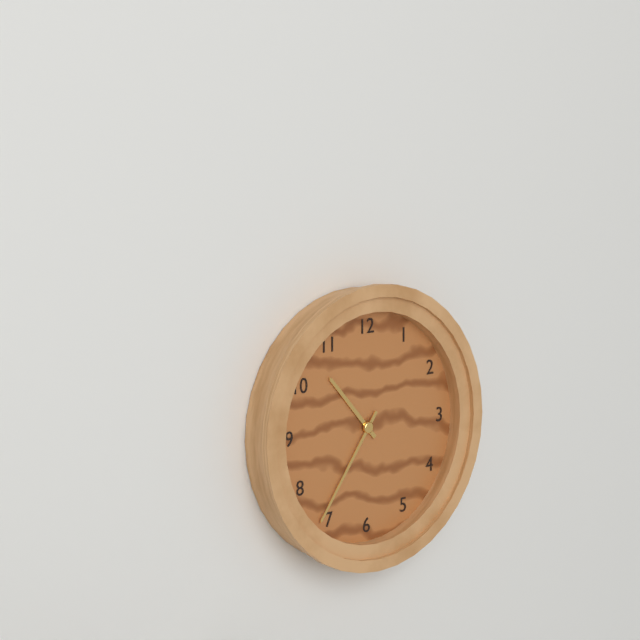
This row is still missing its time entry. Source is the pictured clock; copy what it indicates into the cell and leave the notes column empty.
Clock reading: 10:36
